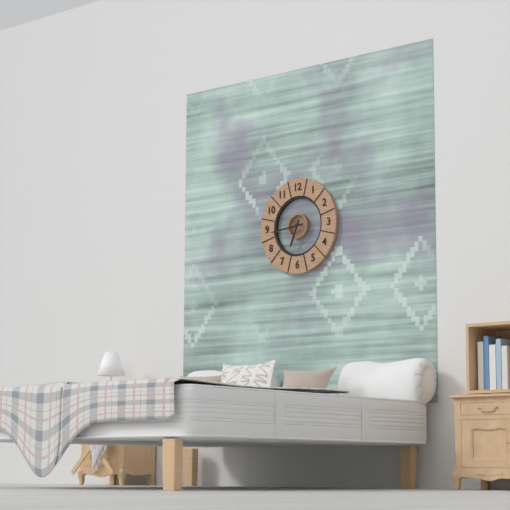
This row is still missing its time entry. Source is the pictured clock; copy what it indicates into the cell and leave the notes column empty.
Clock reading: 6:44
